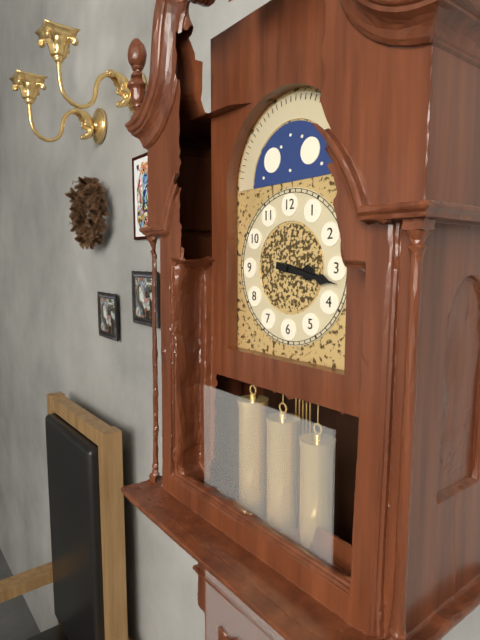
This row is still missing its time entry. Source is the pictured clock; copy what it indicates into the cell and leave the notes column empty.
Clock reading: 3:17
